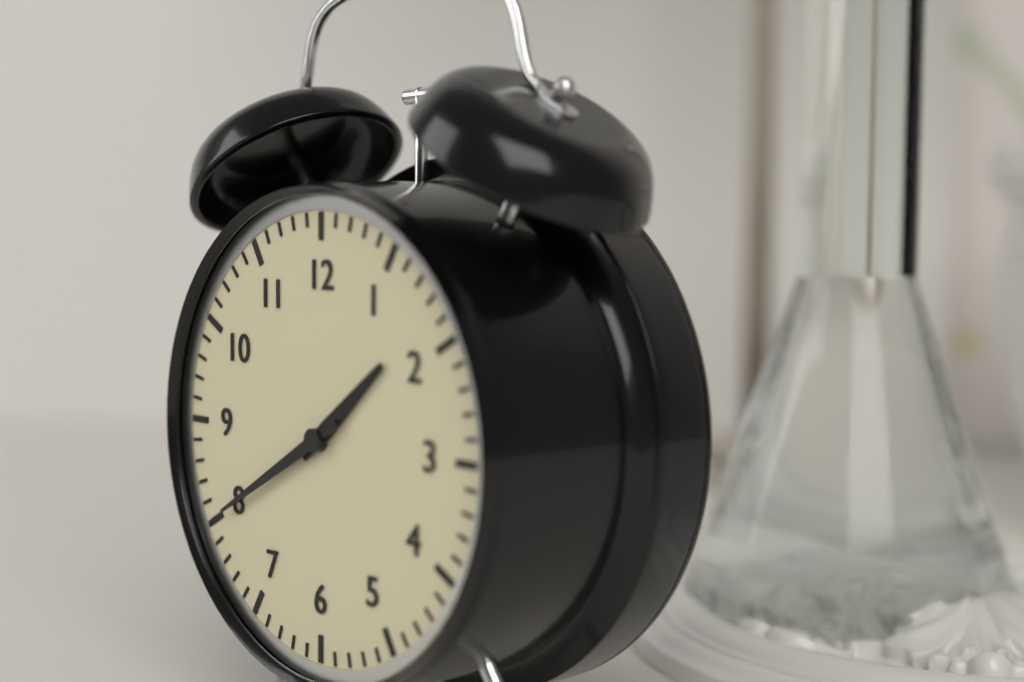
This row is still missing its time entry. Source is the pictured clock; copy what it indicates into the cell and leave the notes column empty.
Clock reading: 1:40
